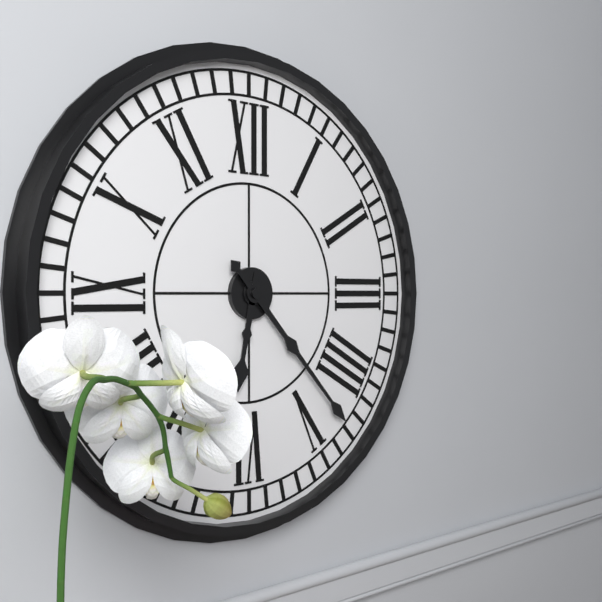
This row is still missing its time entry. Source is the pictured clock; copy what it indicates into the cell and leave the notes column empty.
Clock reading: 6:23
